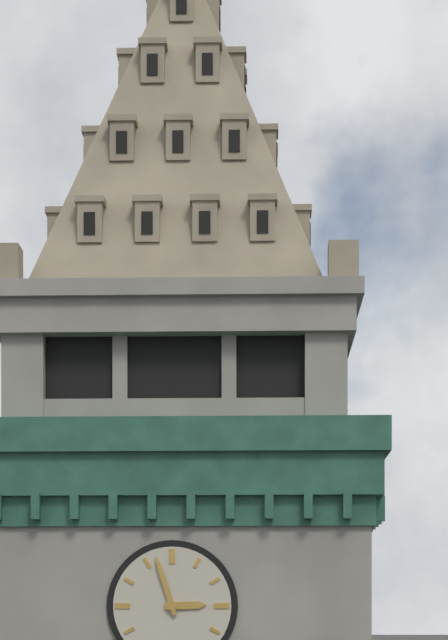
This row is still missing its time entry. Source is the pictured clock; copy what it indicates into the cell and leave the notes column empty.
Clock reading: 2:57
